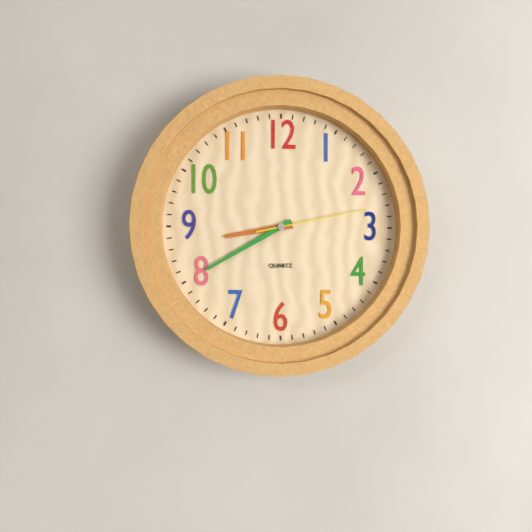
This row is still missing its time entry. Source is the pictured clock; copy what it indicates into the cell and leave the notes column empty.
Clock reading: 8:40:13
